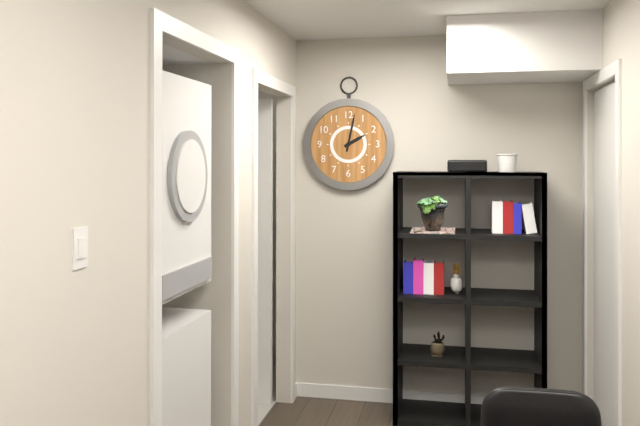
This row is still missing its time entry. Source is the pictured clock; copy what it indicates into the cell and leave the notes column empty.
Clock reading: 2:02
